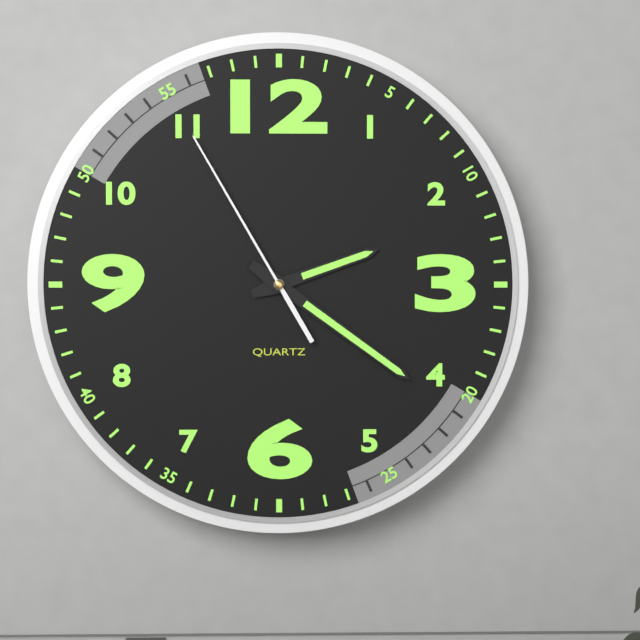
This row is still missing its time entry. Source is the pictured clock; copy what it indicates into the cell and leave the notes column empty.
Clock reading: 2:21:55
